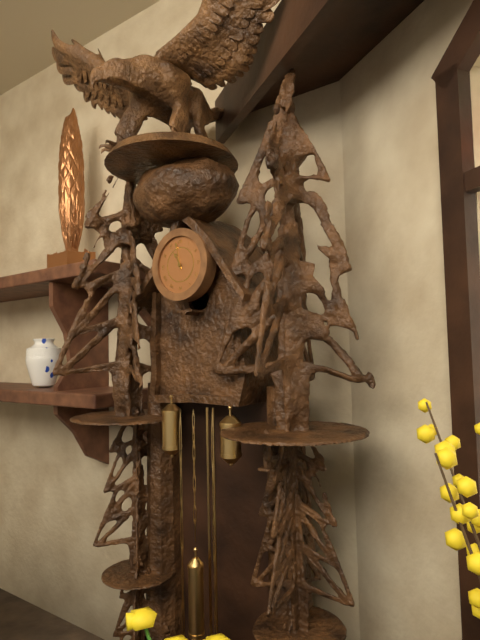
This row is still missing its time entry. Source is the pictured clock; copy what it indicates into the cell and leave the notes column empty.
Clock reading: 10:58
